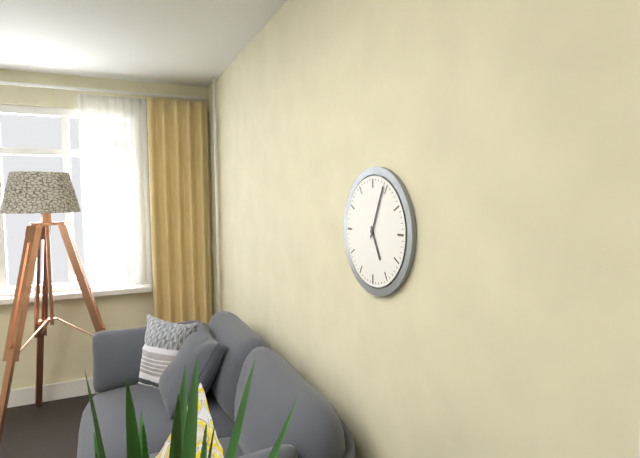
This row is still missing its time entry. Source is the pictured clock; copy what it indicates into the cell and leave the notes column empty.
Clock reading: 5:04
